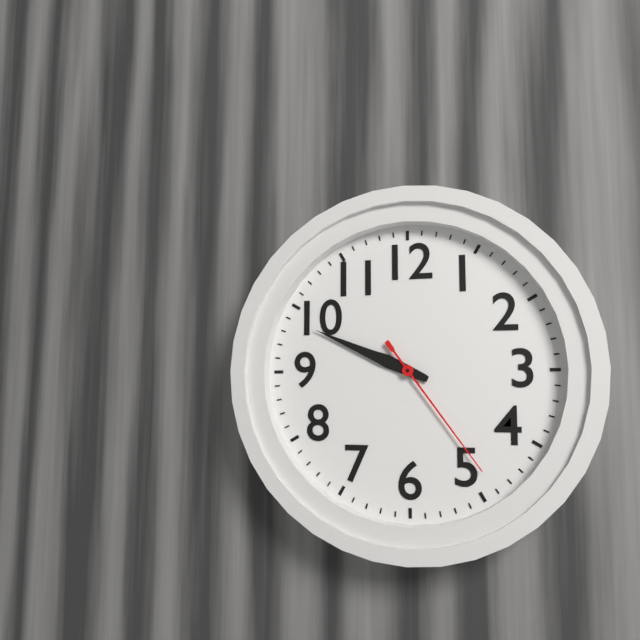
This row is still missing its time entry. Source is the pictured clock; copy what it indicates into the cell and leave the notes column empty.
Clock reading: 9:49:24
